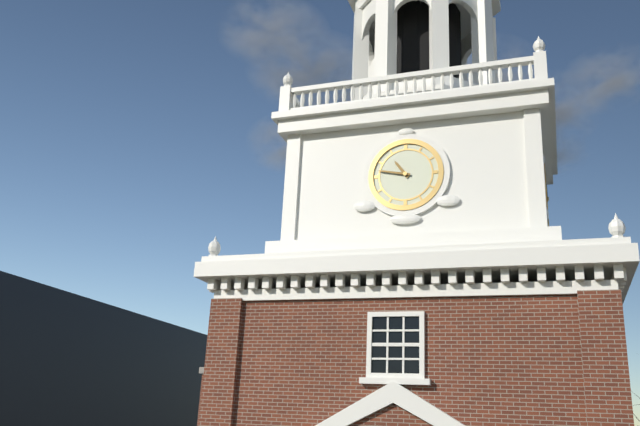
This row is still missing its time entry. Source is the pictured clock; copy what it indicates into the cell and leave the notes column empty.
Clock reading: 10:47
